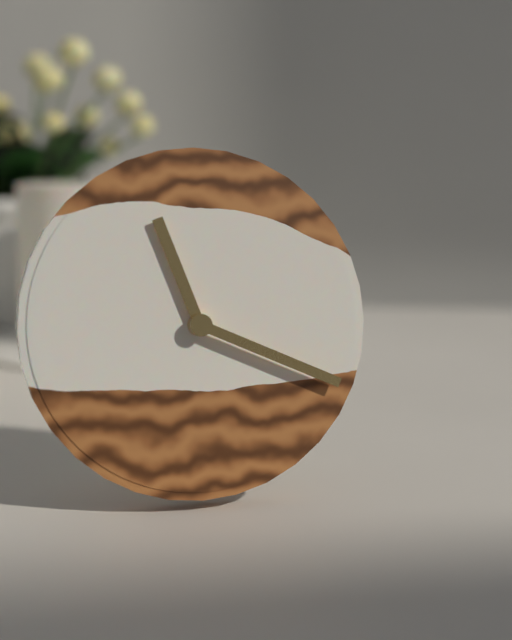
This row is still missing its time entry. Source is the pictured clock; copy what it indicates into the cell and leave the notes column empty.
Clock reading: 11:19
